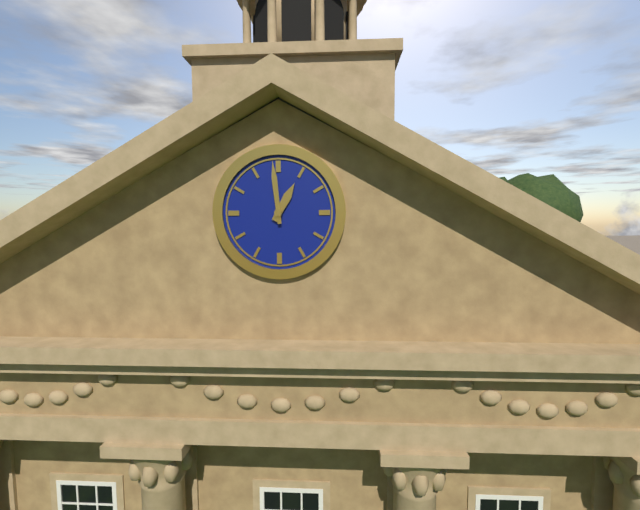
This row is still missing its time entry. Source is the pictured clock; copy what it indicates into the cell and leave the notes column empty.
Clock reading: 12:59
